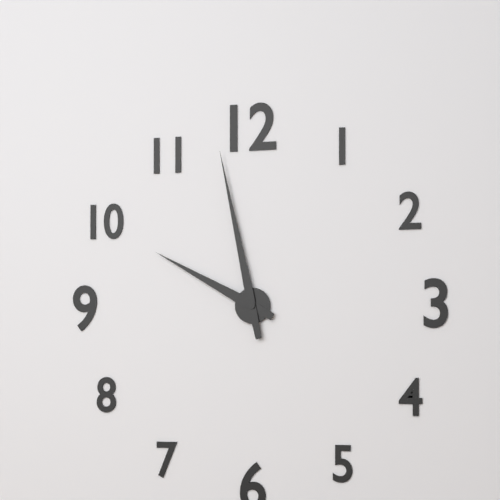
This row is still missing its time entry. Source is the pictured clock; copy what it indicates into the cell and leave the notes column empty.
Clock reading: 9:58
